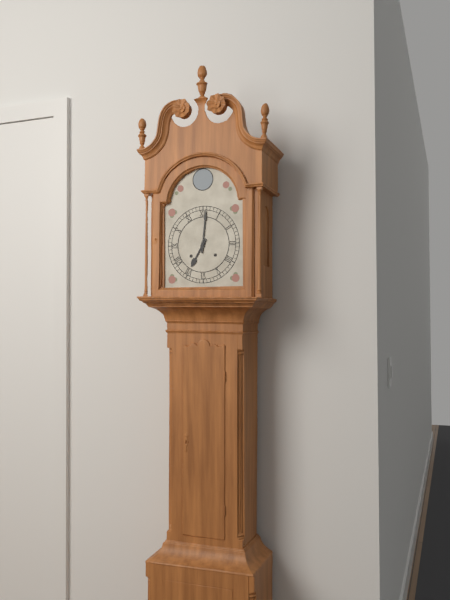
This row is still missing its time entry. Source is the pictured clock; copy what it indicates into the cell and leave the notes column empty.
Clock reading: 7:01
